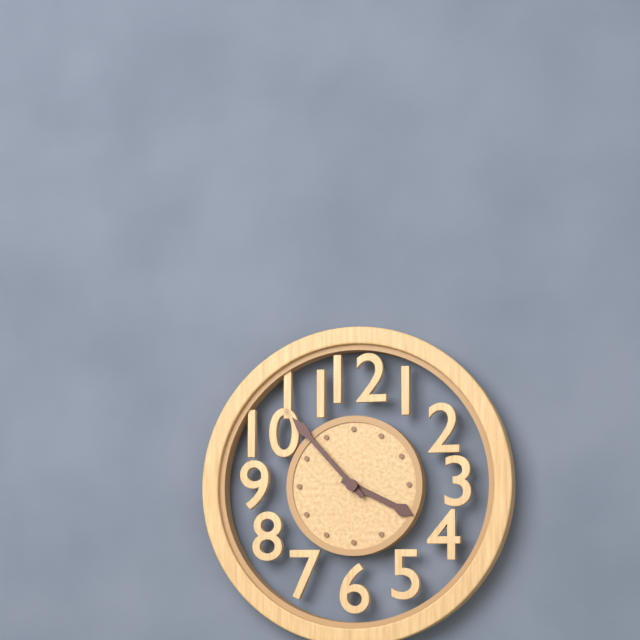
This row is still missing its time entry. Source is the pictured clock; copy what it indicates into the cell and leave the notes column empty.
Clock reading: 3:53
